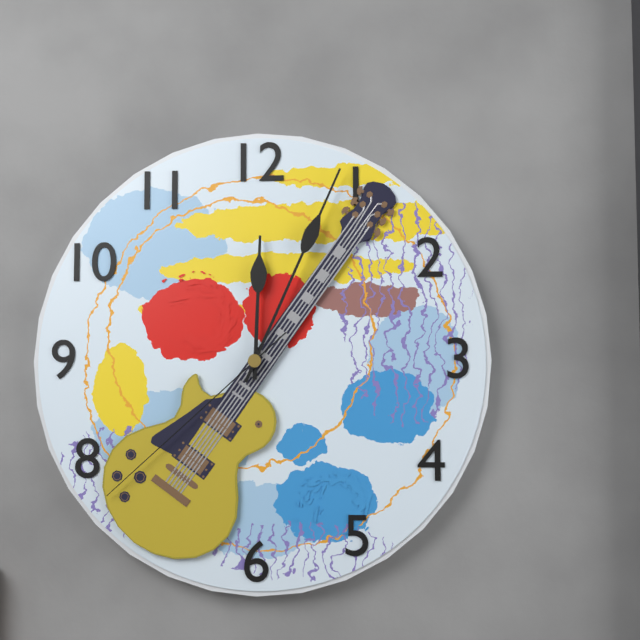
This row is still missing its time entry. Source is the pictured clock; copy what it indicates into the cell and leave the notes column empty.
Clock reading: 12:04:38
